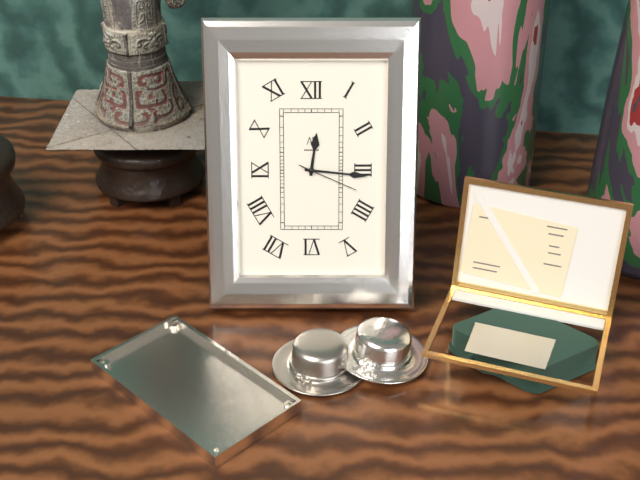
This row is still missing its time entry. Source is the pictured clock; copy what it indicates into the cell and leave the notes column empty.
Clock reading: 12:16:19
